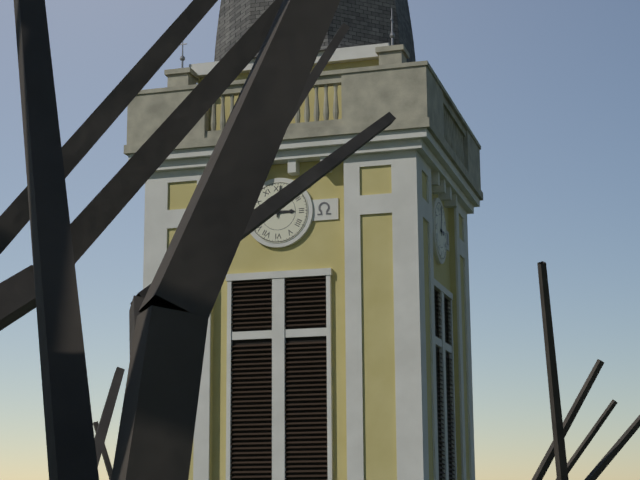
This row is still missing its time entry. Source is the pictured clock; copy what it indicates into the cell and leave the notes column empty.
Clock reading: 3:01
